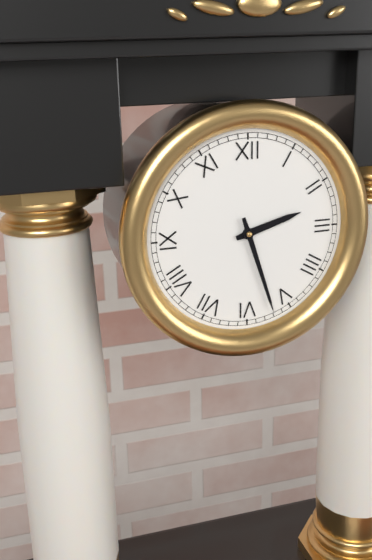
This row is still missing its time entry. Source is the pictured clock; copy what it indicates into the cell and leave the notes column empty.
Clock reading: 2:27
